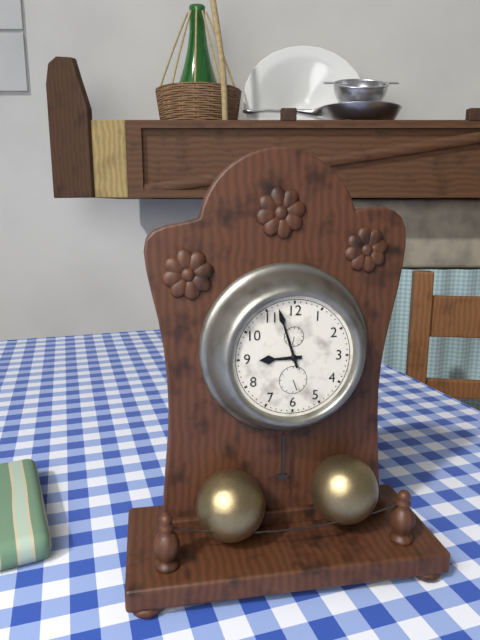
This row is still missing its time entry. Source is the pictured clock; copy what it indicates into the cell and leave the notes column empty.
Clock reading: 8:57
